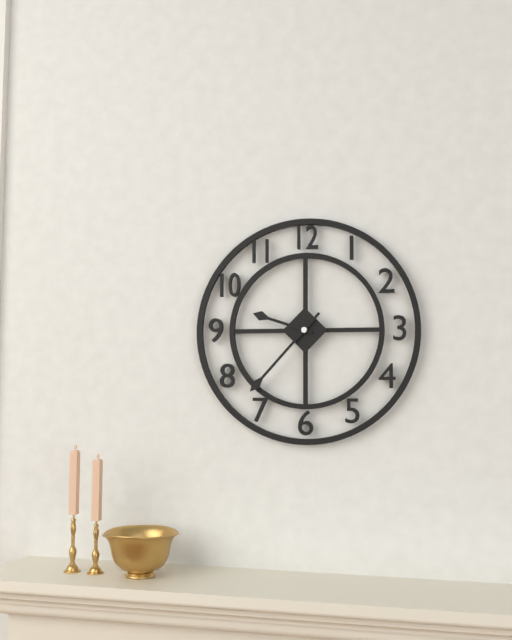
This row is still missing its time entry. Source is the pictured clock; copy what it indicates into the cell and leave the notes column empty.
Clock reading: 9:37
